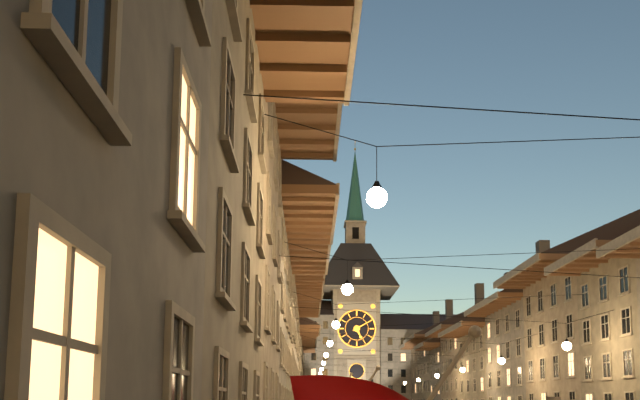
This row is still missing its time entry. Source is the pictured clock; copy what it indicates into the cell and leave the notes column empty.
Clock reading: 5:10
